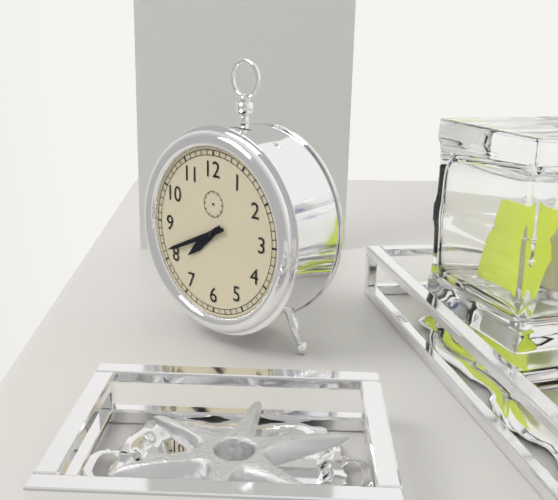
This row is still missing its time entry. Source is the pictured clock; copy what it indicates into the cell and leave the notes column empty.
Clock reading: 7:41
